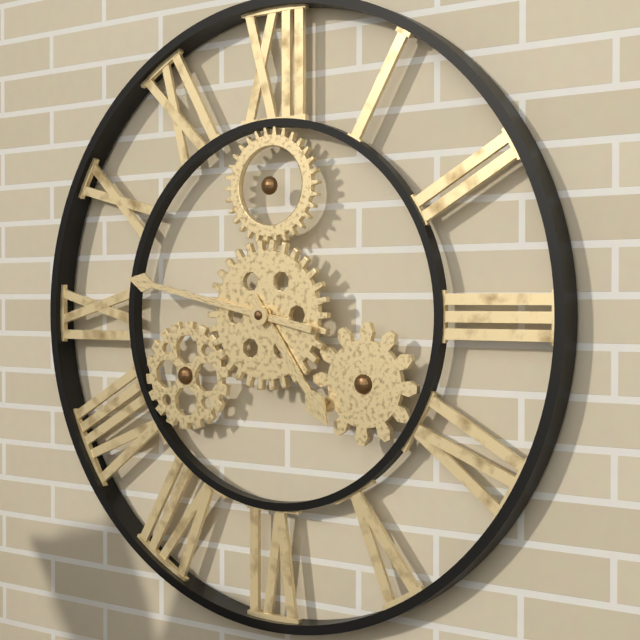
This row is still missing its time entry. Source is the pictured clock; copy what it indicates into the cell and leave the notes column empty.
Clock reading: 4:47
